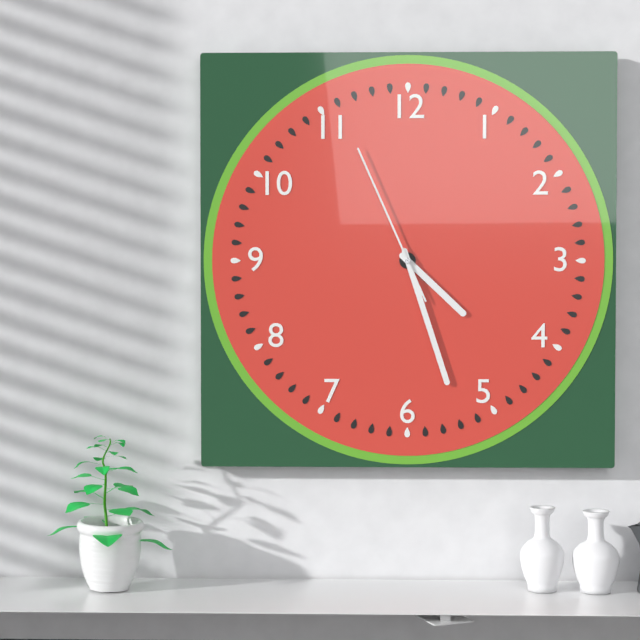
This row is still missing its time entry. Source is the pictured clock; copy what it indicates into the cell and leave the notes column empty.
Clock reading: 4:27:56
